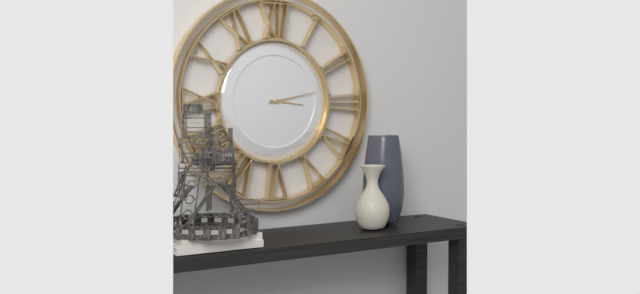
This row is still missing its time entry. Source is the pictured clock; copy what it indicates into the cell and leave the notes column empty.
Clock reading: 3:13
